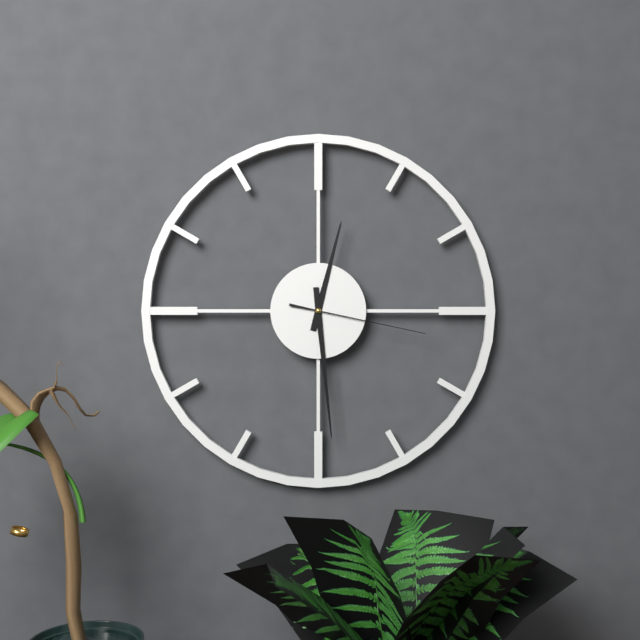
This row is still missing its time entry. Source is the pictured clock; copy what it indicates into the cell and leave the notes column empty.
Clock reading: 12:29:17
